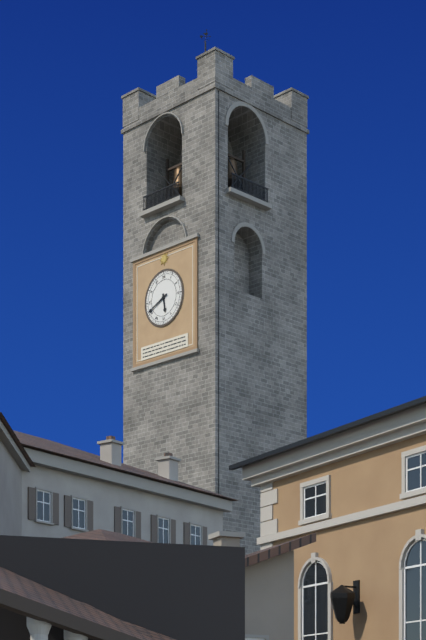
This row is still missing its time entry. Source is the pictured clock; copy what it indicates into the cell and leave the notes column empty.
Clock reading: 5:41
